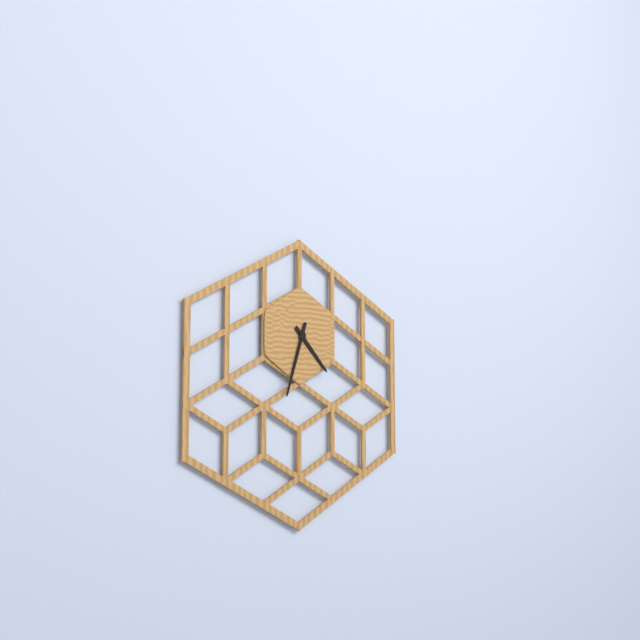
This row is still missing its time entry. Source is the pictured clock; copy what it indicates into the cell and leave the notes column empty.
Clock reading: 4:33
